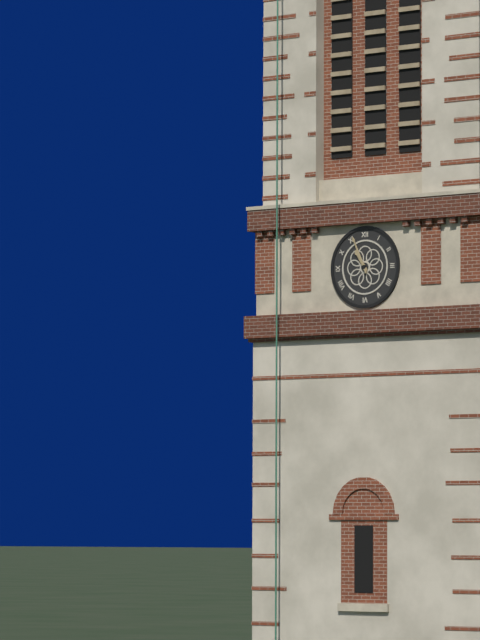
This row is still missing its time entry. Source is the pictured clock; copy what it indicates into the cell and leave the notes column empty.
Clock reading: 10:56
